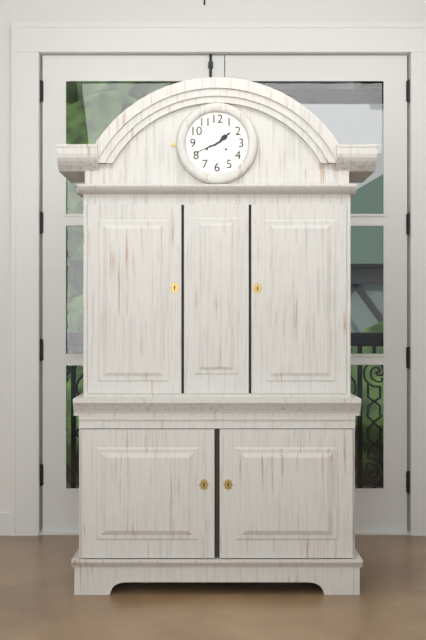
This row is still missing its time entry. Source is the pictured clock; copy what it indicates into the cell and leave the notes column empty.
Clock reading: 1:41
